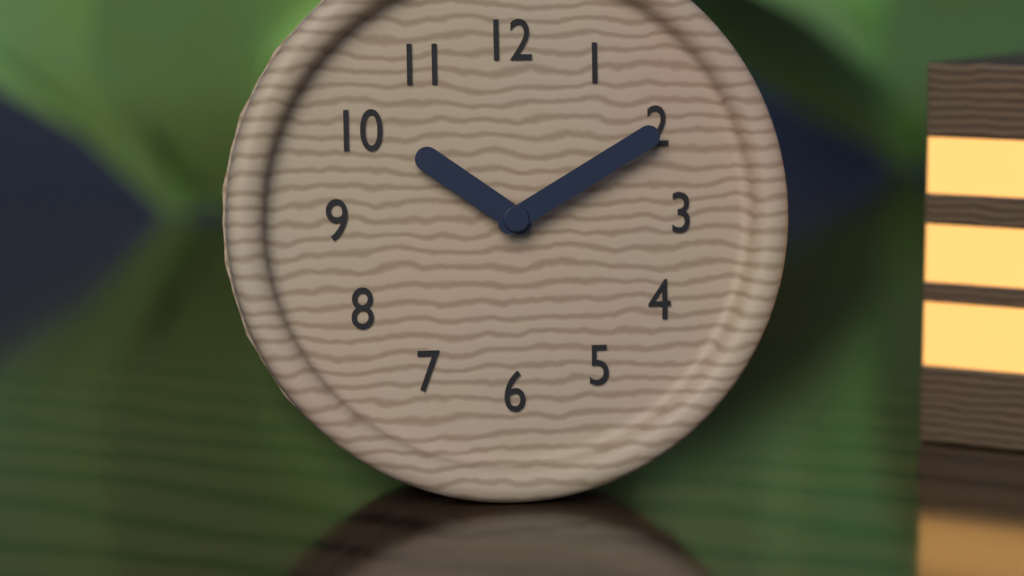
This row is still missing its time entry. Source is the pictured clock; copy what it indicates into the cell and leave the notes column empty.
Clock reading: 10:10
